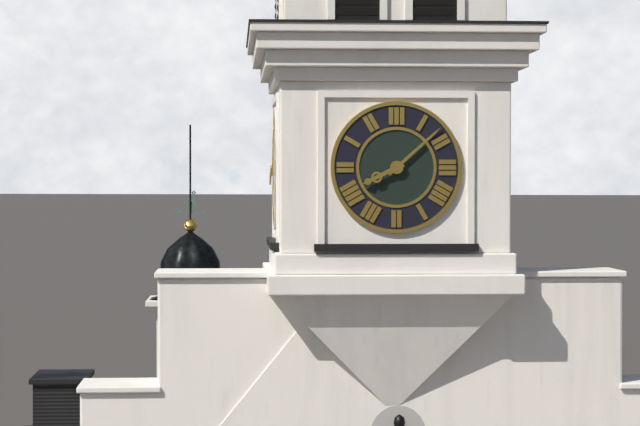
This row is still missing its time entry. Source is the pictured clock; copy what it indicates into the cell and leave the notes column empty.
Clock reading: 8:08
